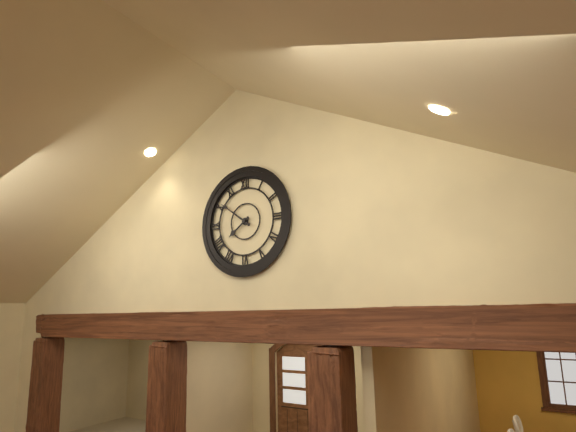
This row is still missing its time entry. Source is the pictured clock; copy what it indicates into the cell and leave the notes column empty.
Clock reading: 7:51
